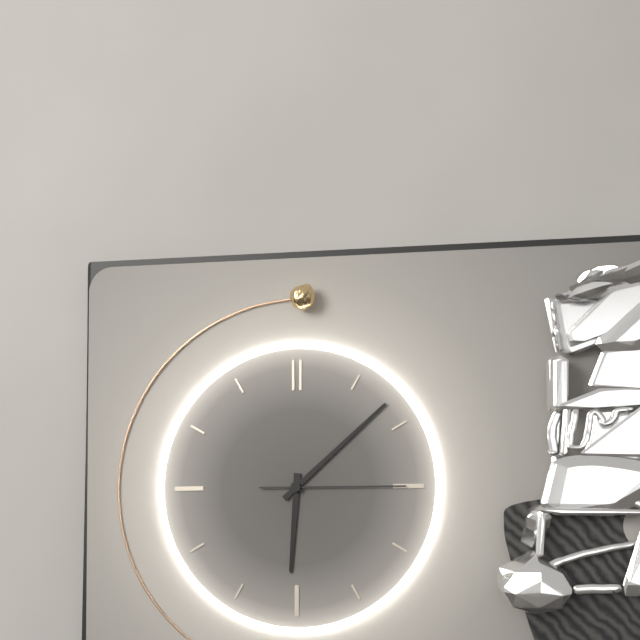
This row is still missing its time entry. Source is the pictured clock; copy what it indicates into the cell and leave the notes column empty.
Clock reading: 6:08:15
